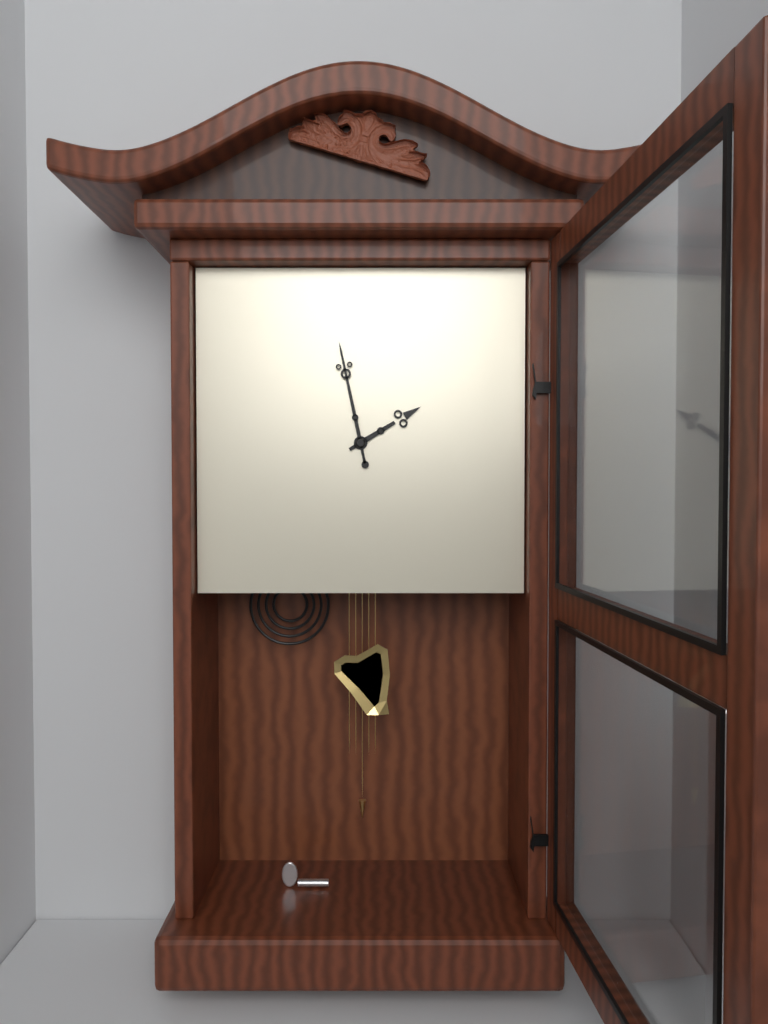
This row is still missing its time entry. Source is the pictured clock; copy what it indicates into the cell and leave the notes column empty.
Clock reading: 1:58
